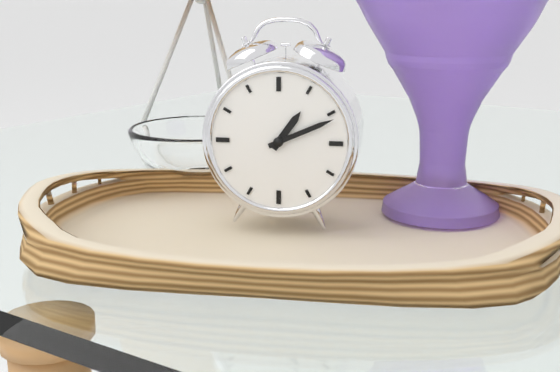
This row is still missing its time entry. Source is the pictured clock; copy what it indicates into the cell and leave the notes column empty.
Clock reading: 1:11
